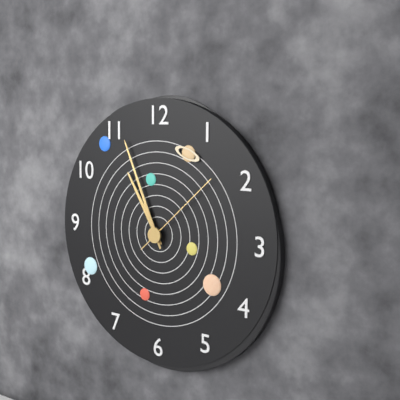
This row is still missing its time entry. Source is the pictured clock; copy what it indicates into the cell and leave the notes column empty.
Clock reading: 10:56:08
